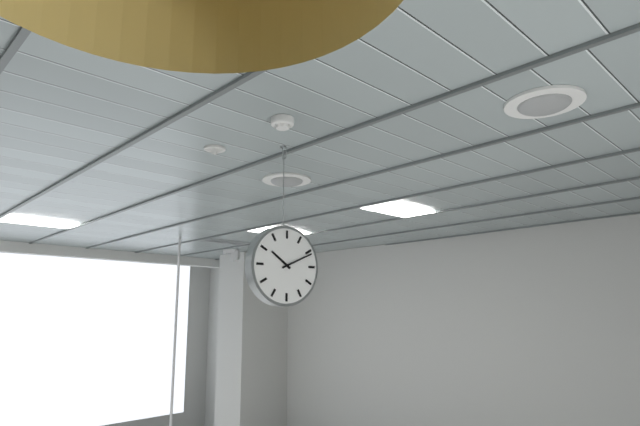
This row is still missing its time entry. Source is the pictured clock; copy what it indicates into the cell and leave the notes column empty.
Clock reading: 10:11
